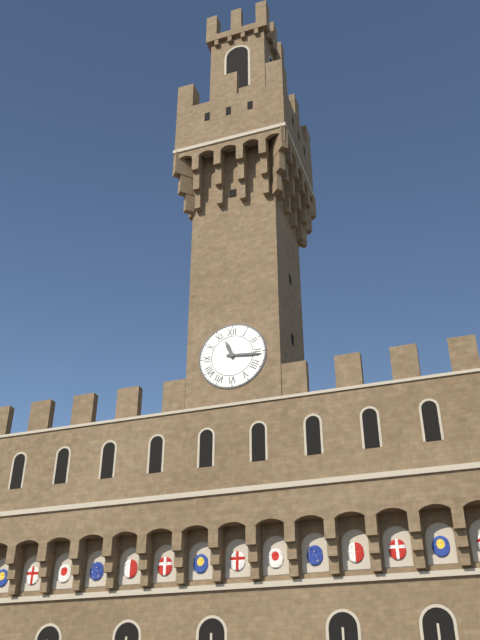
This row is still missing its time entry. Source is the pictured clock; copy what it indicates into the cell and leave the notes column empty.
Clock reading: 11:16
